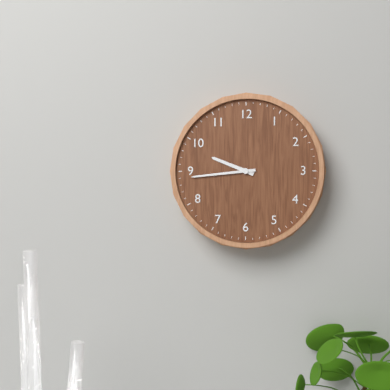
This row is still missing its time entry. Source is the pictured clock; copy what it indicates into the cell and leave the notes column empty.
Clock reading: 9:44
